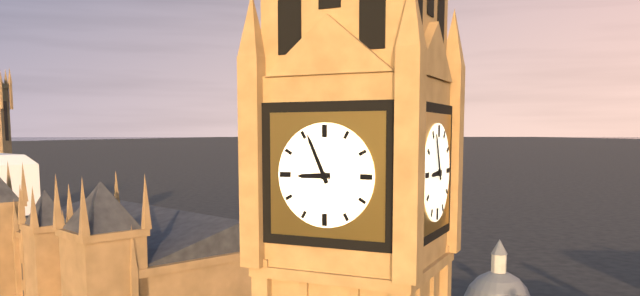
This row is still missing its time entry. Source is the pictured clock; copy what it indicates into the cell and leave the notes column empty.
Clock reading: 8:56
